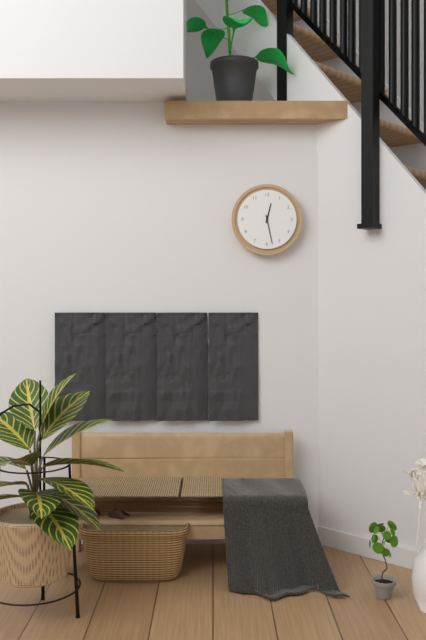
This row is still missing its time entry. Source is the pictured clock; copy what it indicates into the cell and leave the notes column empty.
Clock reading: 12:28
